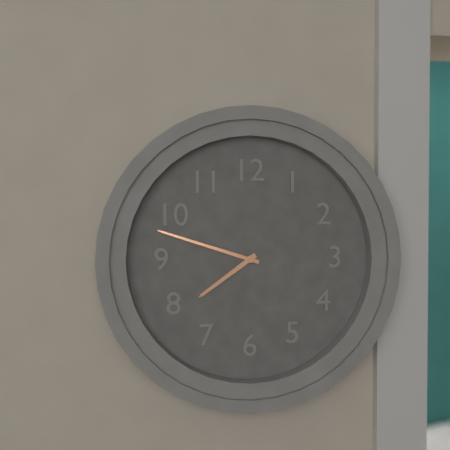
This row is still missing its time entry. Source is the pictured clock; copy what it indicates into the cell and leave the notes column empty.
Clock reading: 7:48
